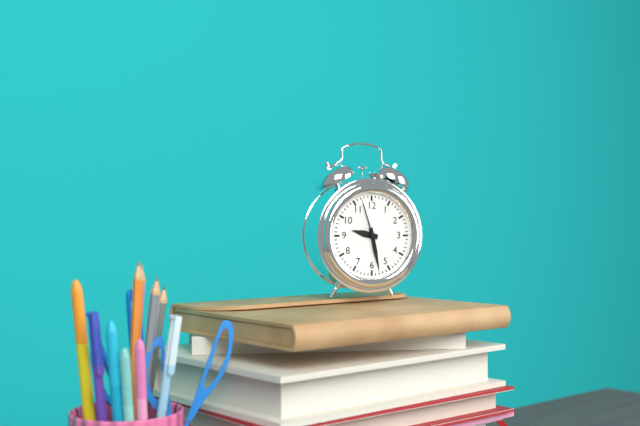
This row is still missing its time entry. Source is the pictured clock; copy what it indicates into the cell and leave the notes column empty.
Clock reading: 9:28
